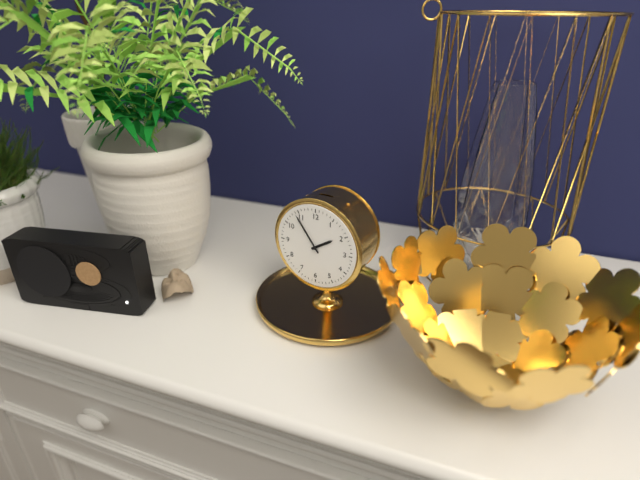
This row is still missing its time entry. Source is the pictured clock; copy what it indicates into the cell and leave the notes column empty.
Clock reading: 1:54
